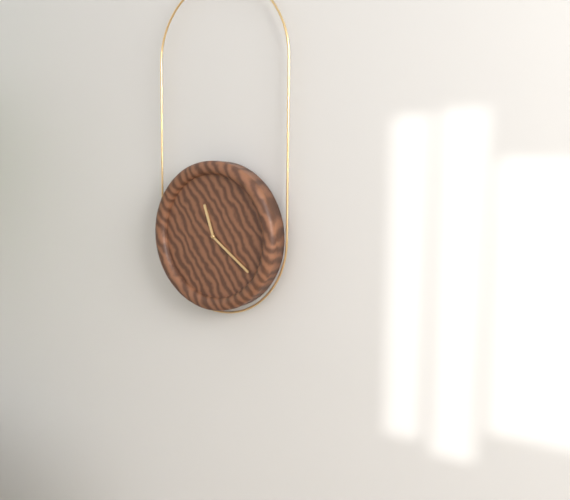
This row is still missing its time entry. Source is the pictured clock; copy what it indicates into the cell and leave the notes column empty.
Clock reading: 11:21
